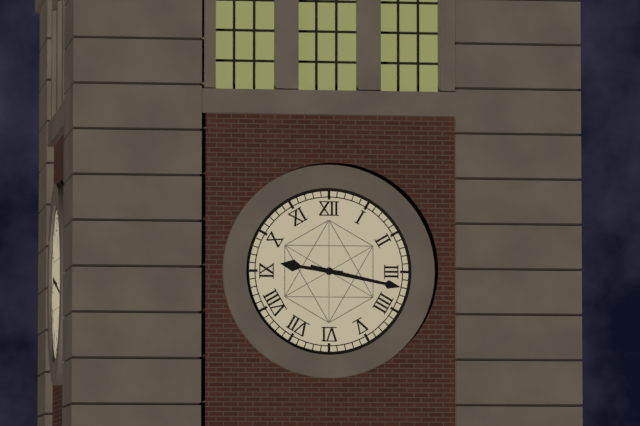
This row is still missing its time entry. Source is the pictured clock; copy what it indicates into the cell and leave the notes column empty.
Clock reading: 9:17
